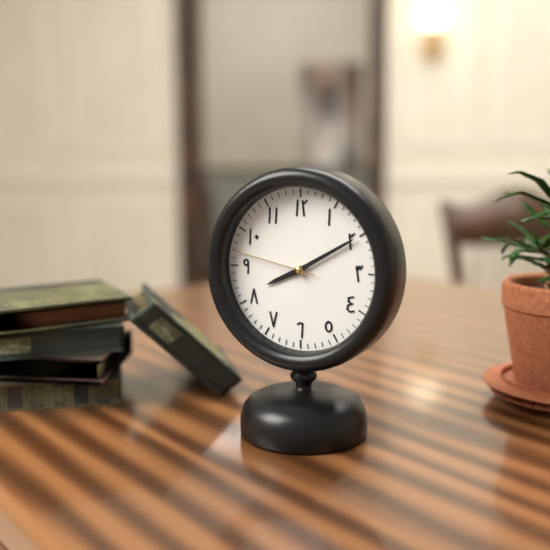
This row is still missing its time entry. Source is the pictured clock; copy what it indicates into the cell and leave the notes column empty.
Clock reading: 8:10:47
